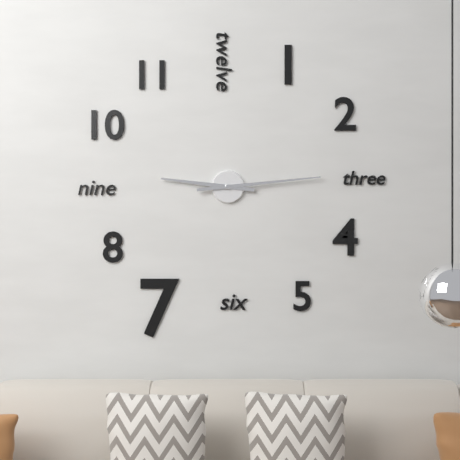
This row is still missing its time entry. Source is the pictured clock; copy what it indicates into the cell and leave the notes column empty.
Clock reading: 9:14
